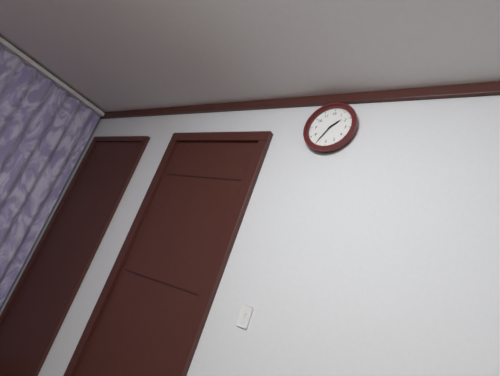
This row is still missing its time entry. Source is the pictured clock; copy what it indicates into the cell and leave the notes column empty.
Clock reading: 1:35
